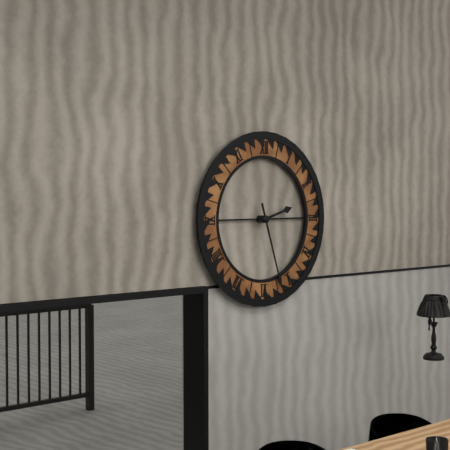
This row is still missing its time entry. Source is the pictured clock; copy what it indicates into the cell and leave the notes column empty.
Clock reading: 2:27
